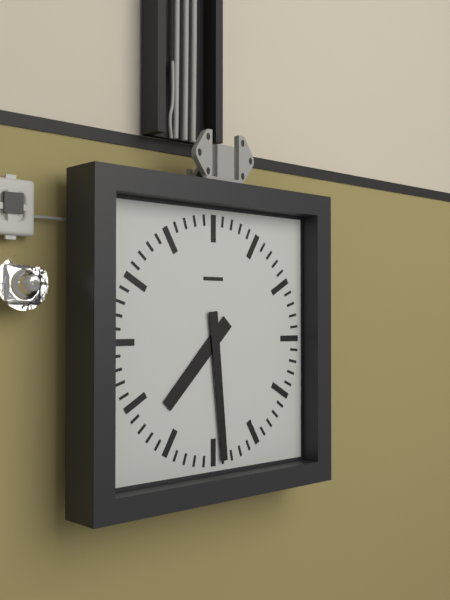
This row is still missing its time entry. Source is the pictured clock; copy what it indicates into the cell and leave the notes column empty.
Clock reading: 7:29
